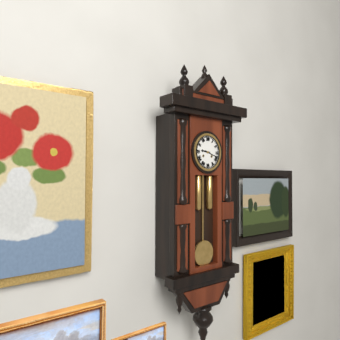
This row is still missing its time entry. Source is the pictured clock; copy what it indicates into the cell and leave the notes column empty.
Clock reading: 9:18
